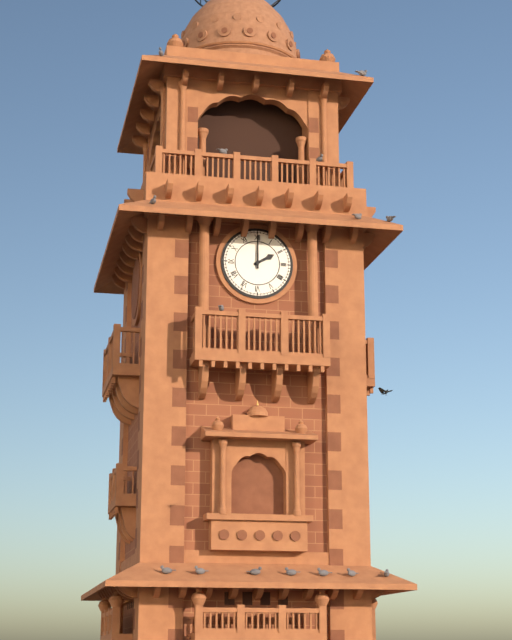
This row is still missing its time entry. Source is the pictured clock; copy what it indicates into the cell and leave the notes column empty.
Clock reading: 2:00
